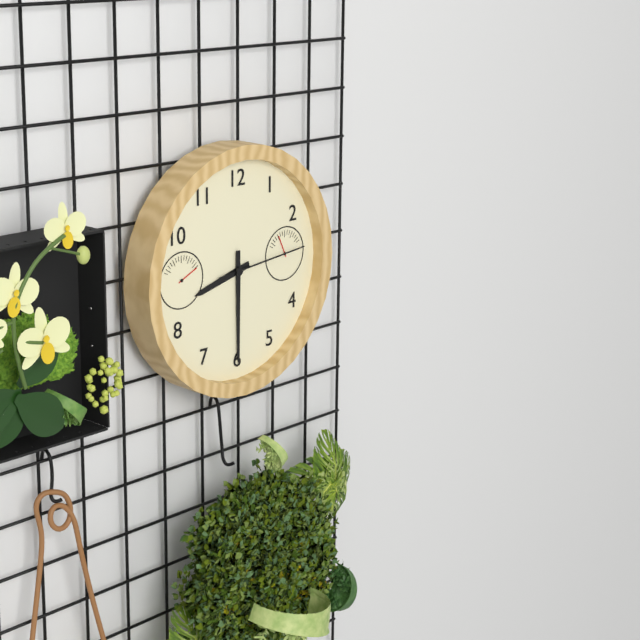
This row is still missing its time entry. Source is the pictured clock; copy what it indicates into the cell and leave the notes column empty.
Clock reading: 8:30:14
